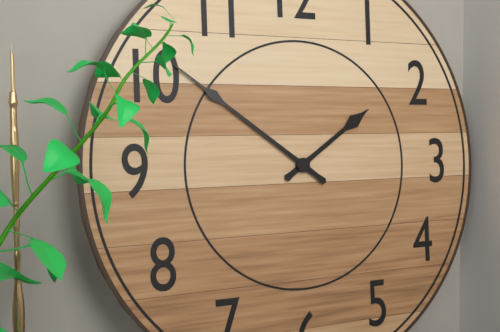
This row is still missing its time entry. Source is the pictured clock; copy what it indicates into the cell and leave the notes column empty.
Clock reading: 1:51
